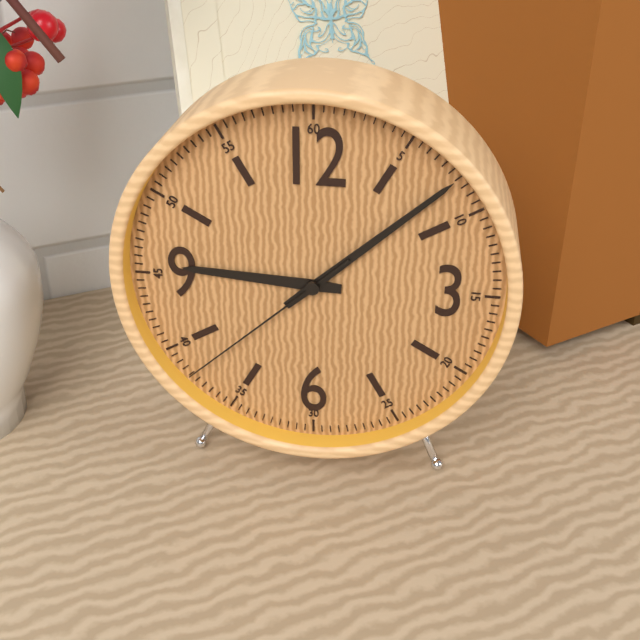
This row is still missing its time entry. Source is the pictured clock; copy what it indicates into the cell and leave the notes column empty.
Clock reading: 9:08:38
